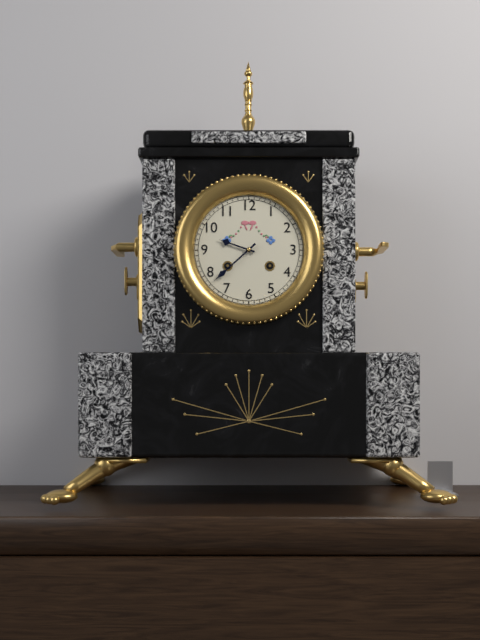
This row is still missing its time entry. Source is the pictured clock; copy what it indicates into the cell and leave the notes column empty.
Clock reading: 9:38
